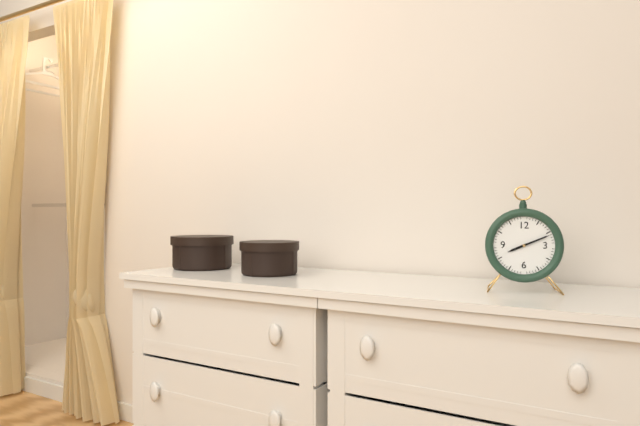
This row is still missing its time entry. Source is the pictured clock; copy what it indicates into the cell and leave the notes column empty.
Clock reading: 8:11
